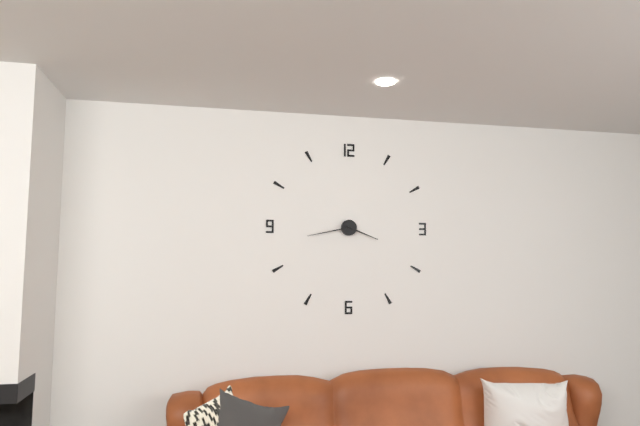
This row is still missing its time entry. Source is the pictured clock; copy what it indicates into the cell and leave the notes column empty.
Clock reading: 3:43
